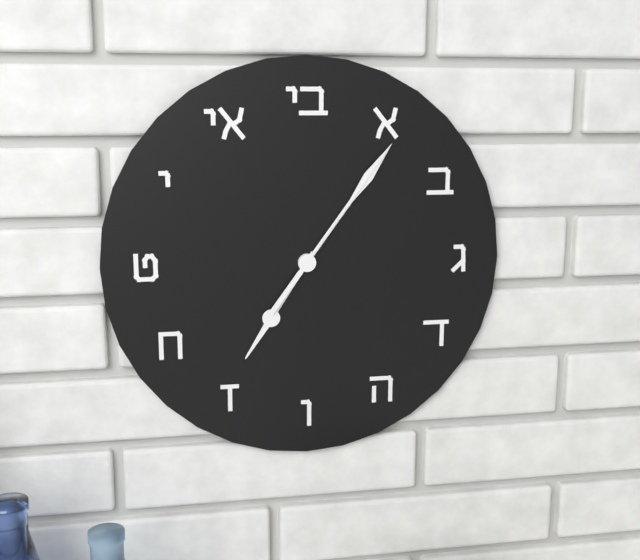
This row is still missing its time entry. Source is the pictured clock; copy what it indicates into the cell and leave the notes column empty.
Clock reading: 7:06:06
